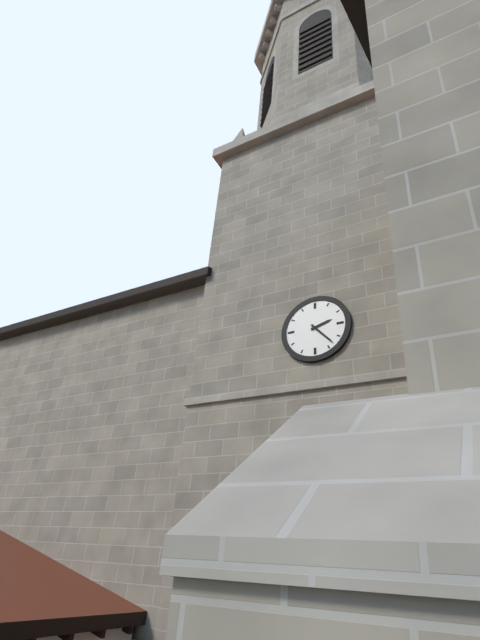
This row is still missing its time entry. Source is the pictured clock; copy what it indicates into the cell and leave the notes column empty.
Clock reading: 2:23
